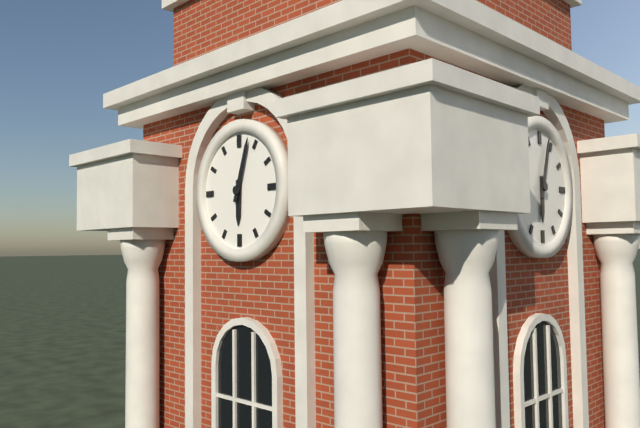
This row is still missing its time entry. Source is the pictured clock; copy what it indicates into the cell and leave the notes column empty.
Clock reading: 6:03
